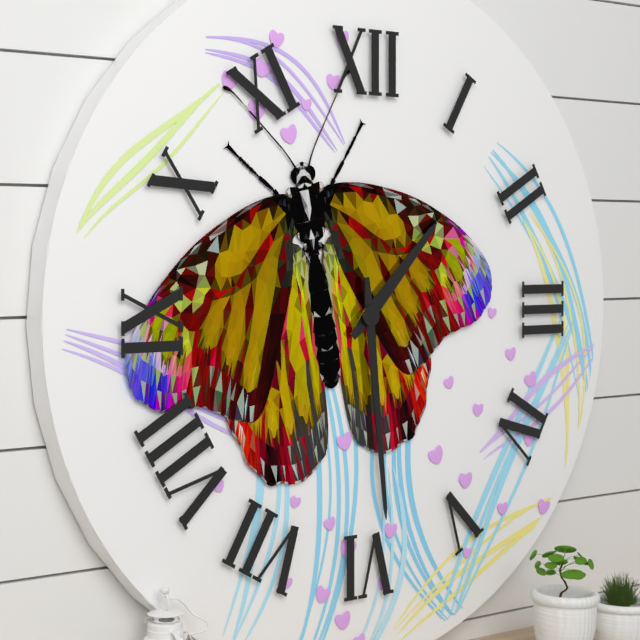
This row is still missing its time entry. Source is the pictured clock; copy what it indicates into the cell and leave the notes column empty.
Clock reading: 1:29
